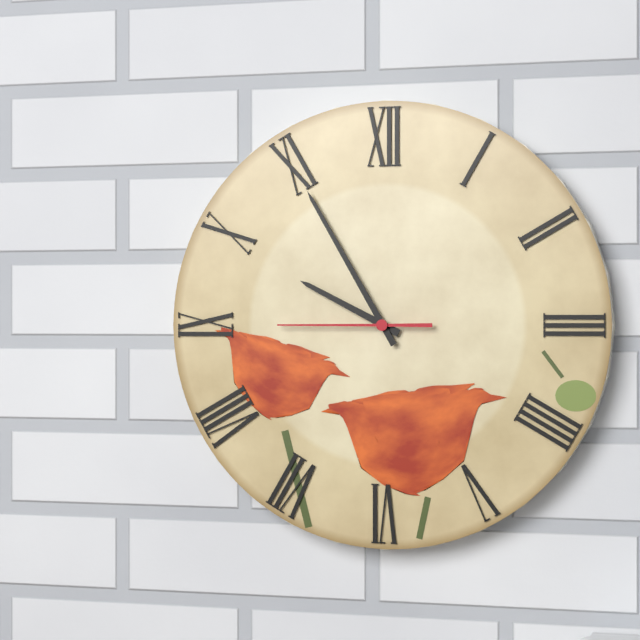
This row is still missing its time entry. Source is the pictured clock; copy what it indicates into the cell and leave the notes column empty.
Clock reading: 9:55:45
